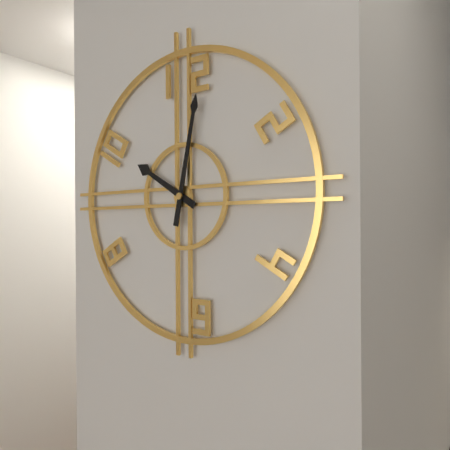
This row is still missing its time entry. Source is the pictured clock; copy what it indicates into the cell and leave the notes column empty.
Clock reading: 10:02
